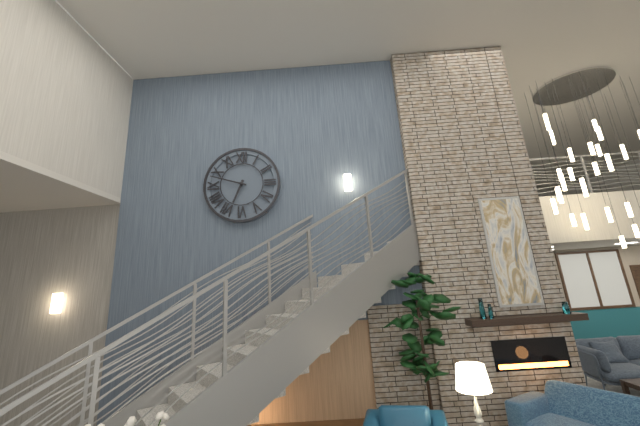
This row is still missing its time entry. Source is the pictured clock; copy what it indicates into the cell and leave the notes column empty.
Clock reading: 6:48
